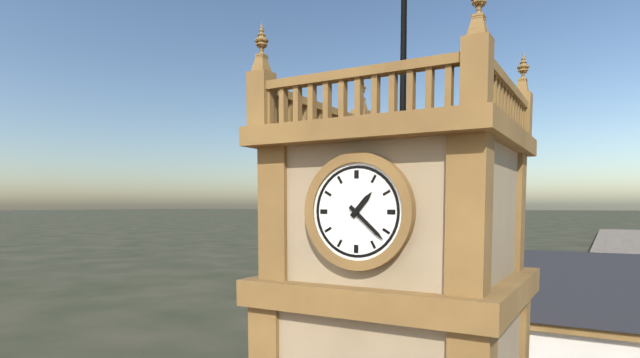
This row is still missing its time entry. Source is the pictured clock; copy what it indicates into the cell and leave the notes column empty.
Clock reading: 1:22
